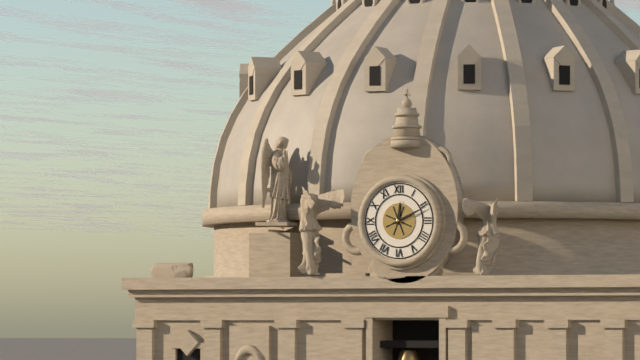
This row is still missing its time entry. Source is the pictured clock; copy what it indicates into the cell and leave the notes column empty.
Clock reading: 12:11
